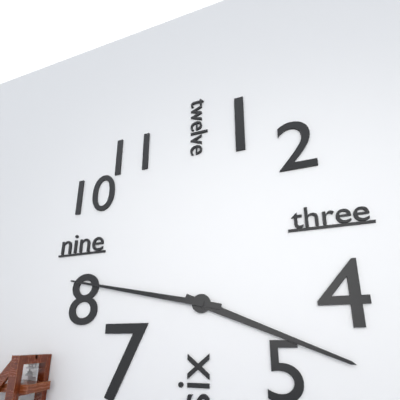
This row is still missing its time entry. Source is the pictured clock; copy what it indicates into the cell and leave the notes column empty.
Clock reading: 3:47
